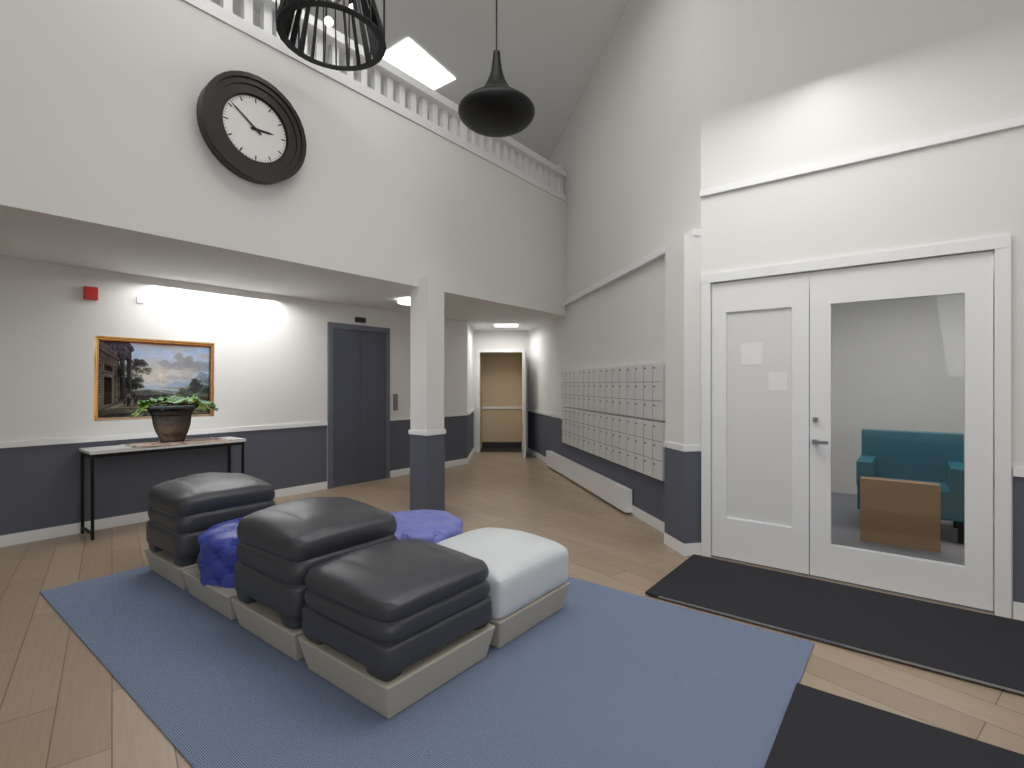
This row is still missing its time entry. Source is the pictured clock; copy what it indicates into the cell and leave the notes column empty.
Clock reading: 2:51
